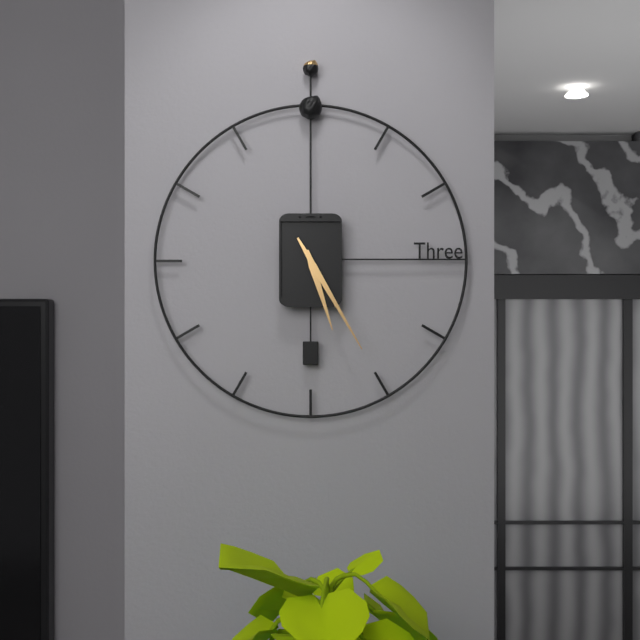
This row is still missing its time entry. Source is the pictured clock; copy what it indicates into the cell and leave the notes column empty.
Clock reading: 5:25
